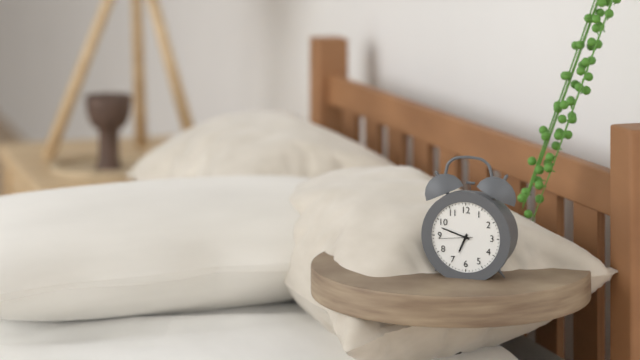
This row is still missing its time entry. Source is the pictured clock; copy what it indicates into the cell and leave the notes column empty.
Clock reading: 6:48
